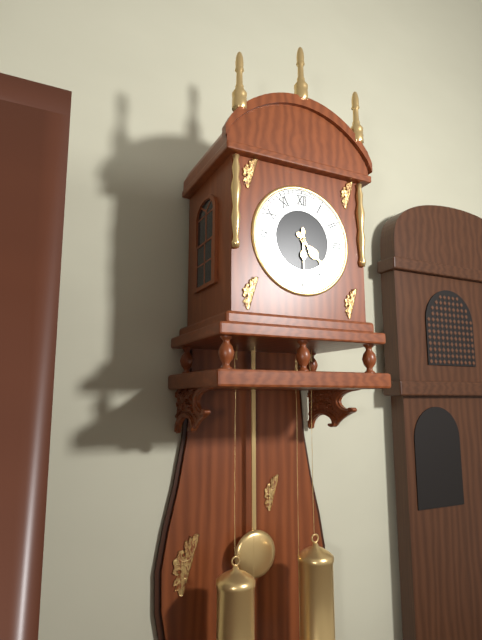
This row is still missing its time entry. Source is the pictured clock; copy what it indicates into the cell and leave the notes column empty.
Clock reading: 4:30
